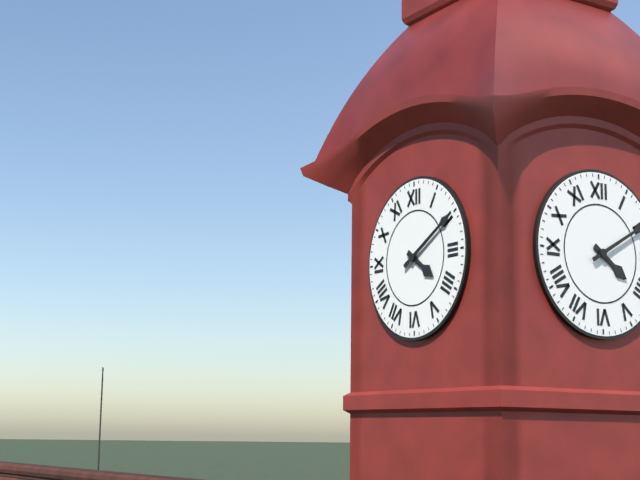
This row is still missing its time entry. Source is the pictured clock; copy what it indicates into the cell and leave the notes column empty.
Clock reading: 4:10
